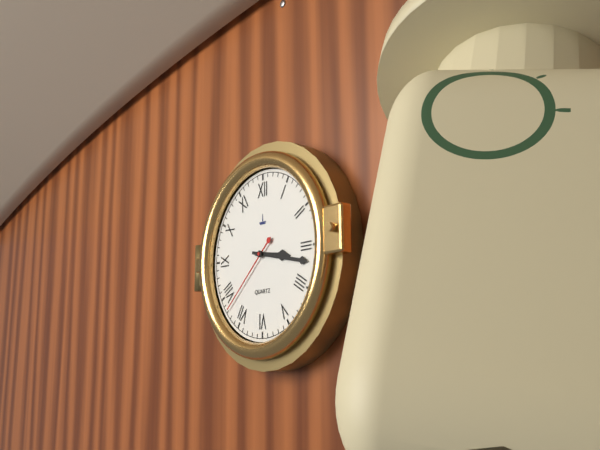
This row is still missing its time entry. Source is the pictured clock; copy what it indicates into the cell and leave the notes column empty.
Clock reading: 3:17:38
